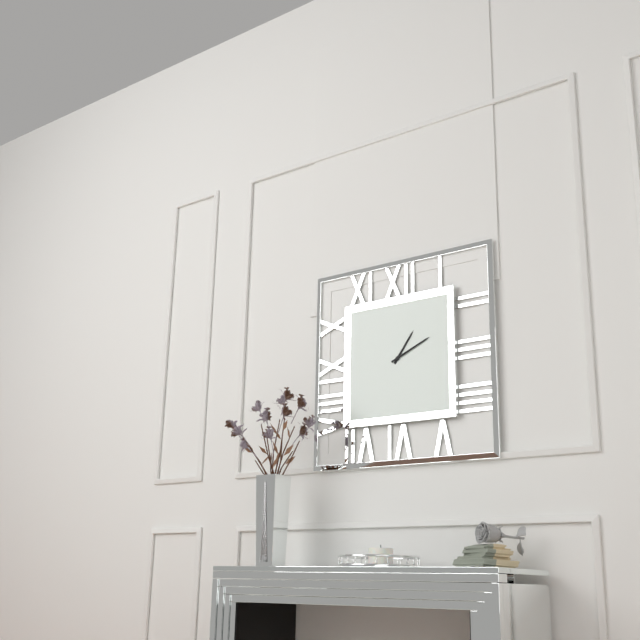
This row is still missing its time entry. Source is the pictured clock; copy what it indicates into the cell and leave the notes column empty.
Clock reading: 1:11
